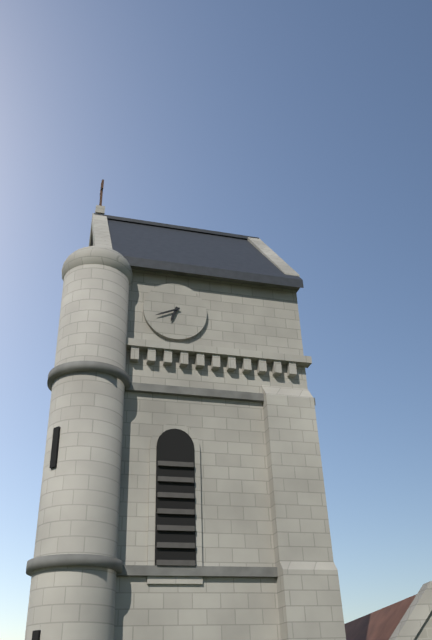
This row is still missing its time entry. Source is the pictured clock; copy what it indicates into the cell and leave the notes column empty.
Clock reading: 6:41
